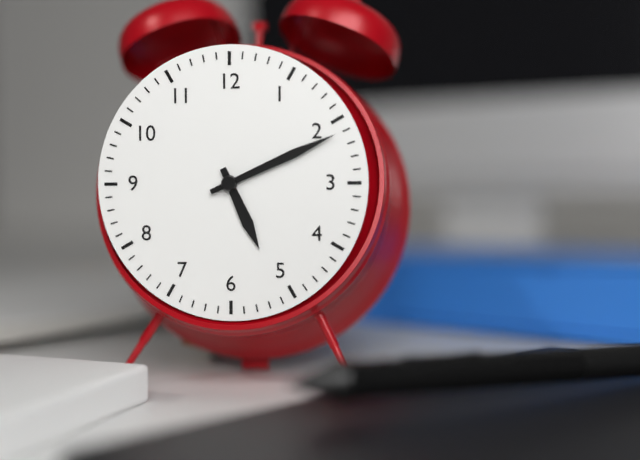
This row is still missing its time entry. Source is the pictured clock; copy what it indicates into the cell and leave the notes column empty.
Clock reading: 5:11
